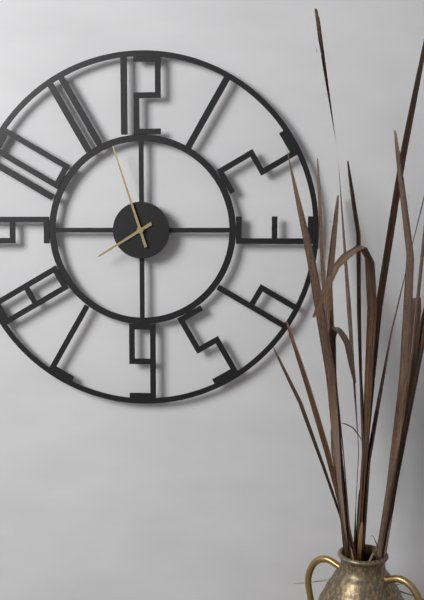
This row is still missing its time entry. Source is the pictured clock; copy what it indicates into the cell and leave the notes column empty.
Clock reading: 7:57
